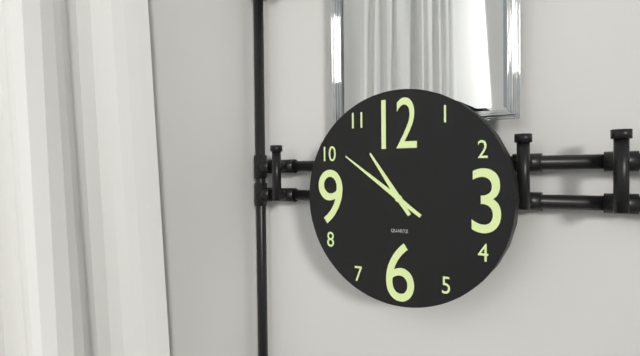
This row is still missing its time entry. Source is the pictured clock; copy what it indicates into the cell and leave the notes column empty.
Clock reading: 10:51
